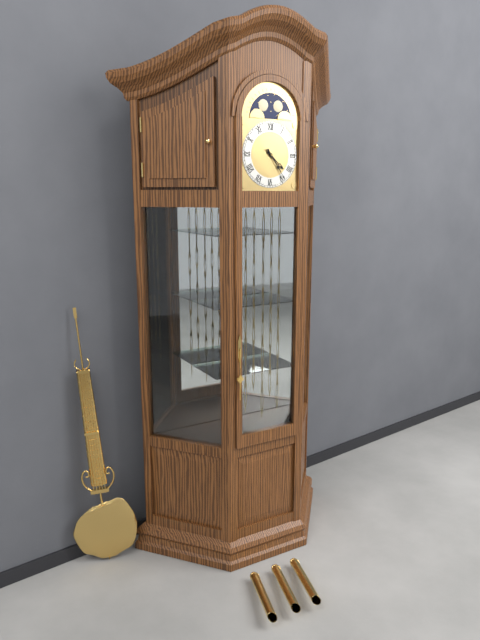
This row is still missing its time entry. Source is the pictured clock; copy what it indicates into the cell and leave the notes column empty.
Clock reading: 4:24
